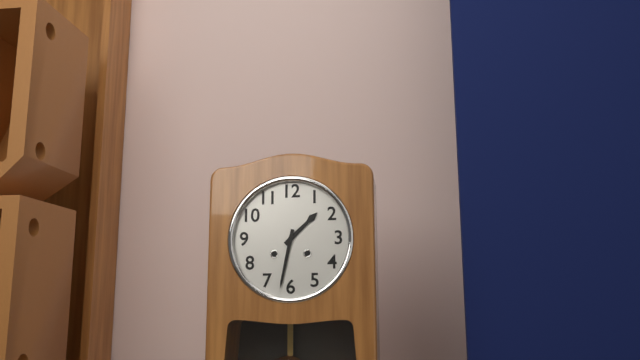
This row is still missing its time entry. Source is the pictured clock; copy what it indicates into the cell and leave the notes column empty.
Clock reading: 1:32
